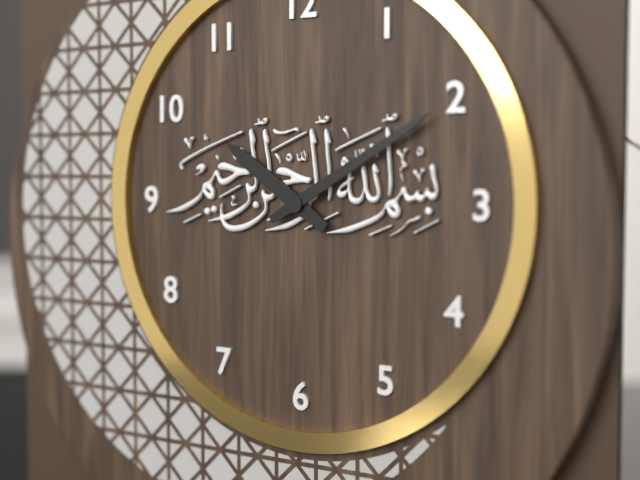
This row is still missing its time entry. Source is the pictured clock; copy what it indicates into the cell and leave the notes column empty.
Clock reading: 10:10
